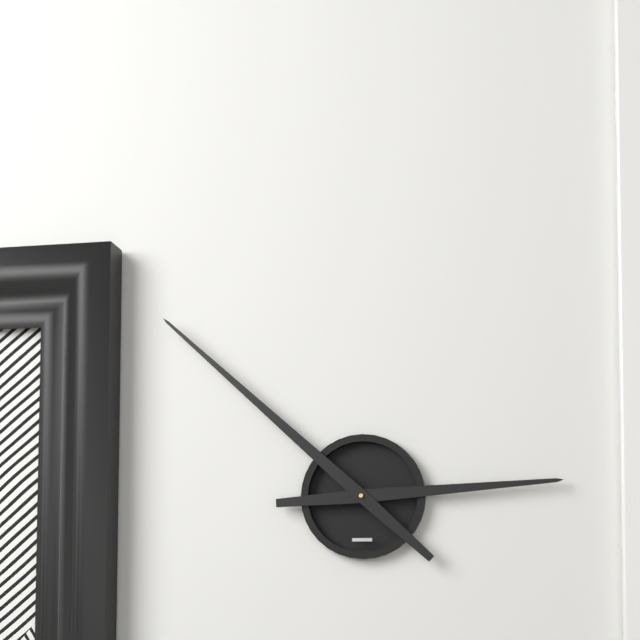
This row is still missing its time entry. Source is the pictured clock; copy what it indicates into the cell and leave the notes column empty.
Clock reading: 2:52
